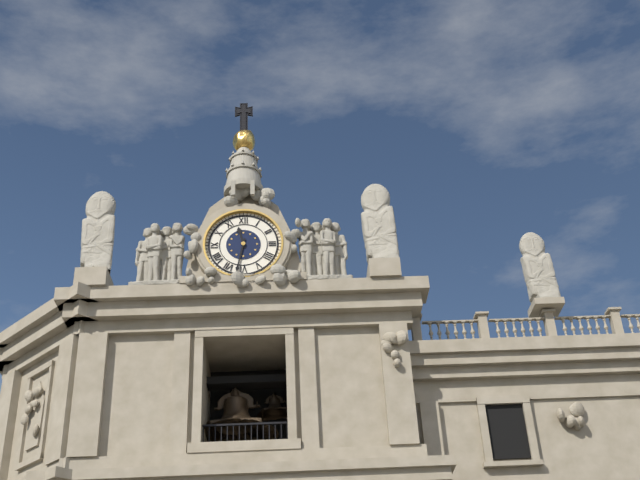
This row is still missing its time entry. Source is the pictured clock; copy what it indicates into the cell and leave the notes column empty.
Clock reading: 11:32
